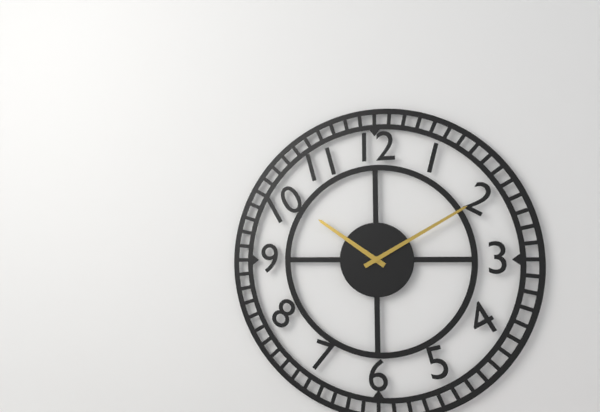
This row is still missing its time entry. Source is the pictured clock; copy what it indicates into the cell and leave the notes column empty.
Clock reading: 10:10
